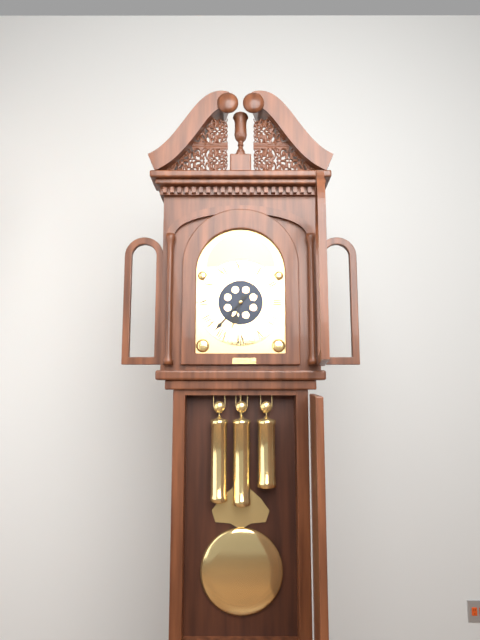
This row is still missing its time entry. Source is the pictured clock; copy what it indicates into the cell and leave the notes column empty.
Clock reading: 6:37
